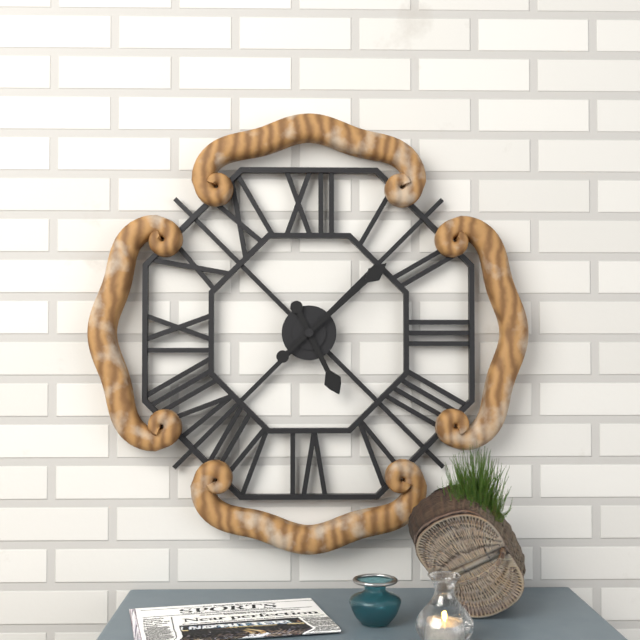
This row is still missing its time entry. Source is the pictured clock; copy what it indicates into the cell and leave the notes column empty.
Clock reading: 5:08
